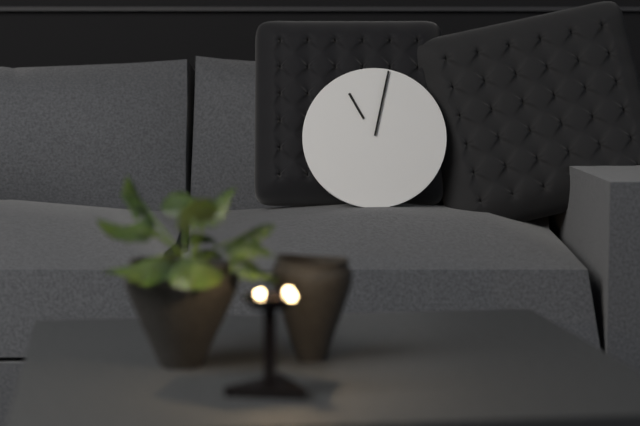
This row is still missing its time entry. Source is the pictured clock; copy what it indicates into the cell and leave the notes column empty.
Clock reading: 11:02
